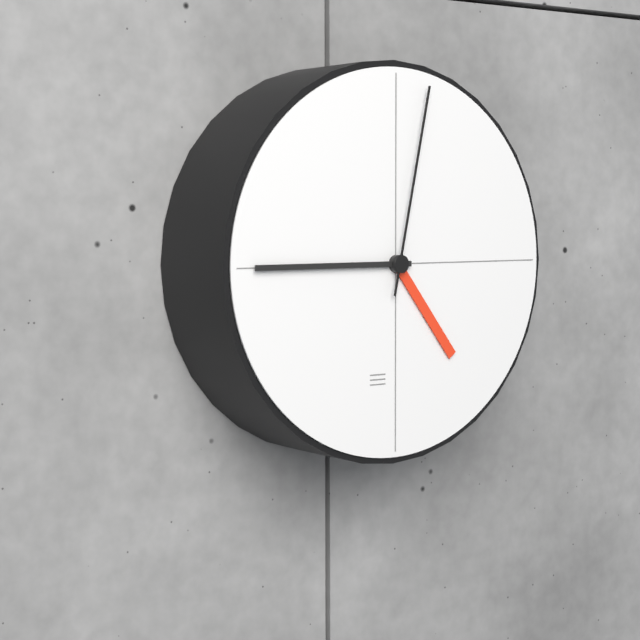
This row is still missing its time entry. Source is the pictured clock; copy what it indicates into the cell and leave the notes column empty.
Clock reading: 4:45:02
